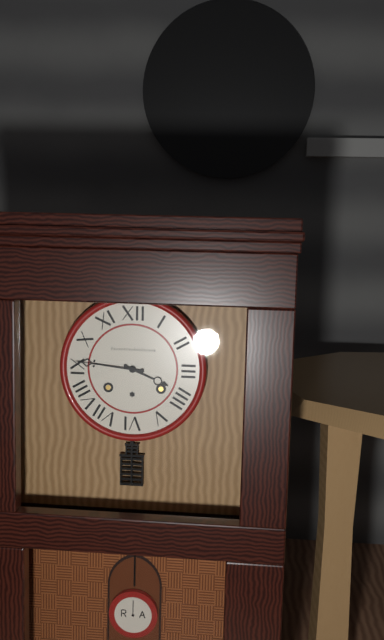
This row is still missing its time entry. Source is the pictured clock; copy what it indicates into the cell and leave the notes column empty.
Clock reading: 3:46
